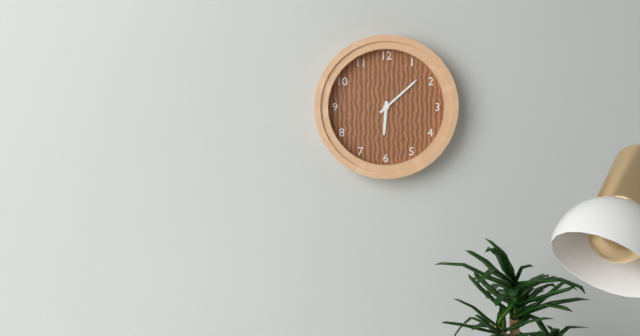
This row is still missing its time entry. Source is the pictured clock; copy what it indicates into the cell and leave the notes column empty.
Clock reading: 6:08
